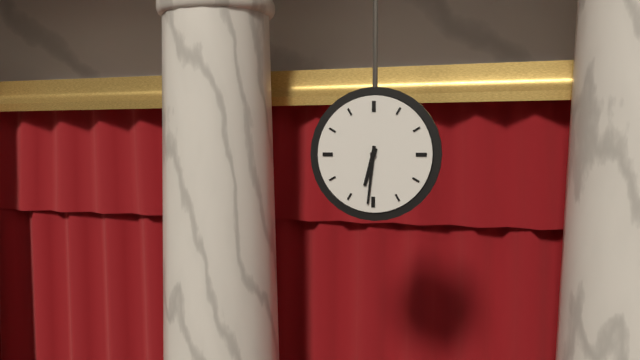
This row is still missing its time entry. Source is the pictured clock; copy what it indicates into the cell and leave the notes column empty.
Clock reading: 6:31
